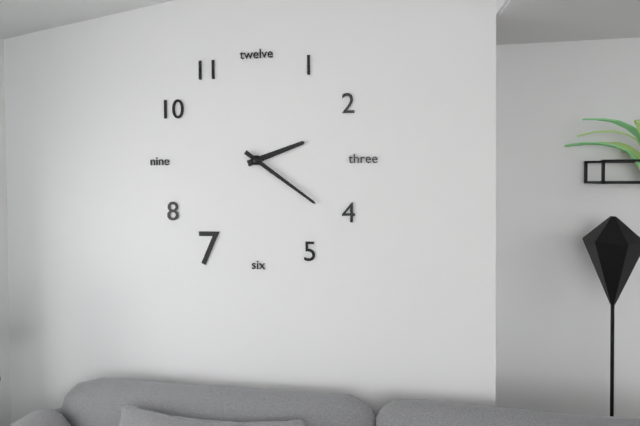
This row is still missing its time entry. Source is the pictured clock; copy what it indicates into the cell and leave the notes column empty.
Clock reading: 2:21
